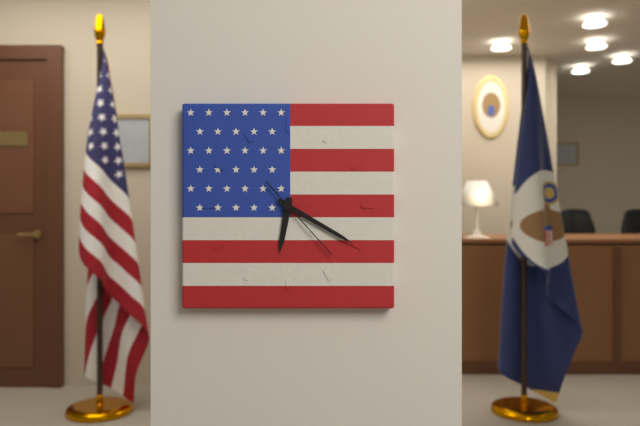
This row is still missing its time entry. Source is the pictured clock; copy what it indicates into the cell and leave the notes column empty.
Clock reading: 6:20:23
